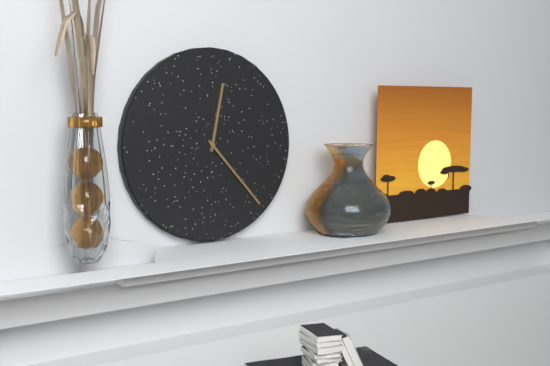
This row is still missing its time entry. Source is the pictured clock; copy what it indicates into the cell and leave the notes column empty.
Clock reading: 12:23
